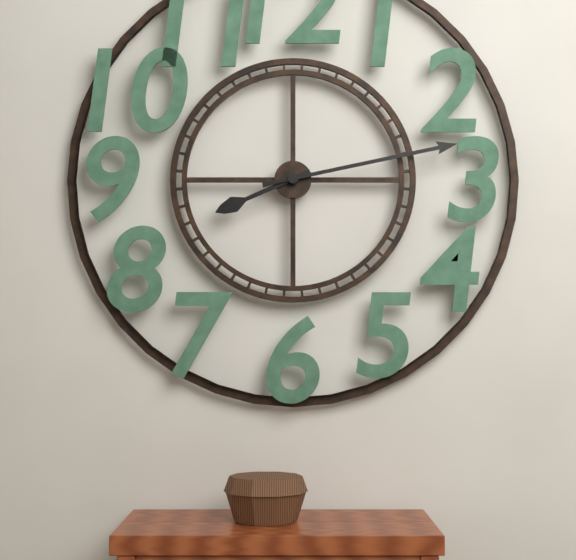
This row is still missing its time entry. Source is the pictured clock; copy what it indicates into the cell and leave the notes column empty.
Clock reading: 8:13
